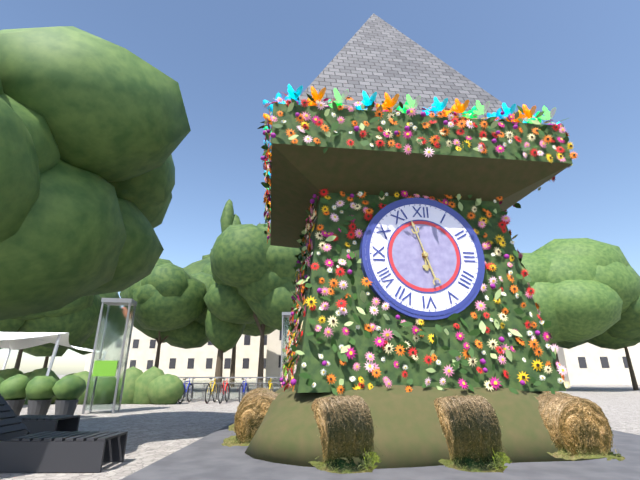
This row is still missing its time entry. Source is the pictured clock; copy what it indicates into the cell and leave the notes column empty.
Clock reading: 5:57
